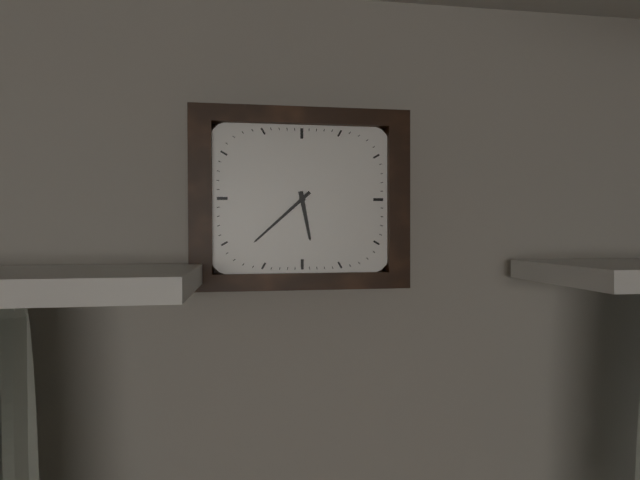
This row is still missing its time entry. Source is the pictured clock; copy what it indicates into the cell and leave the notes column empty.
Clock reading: 5:38
